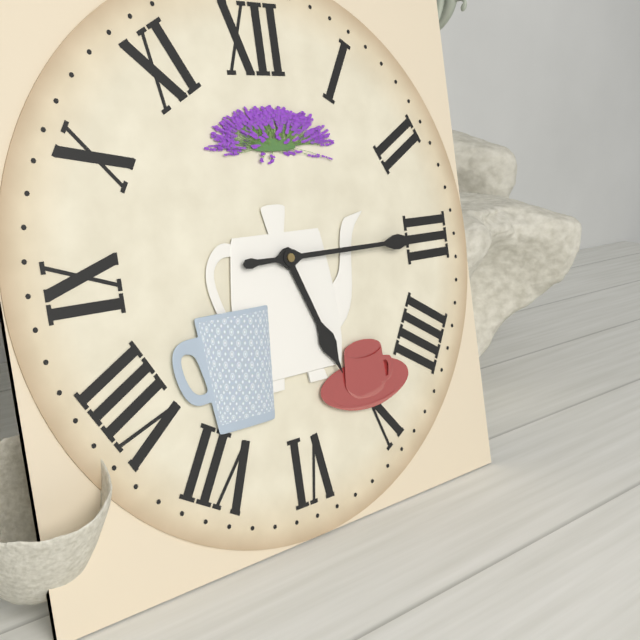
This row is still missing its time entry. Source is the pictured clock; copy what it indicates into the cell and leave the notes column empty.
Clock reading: 5:15
